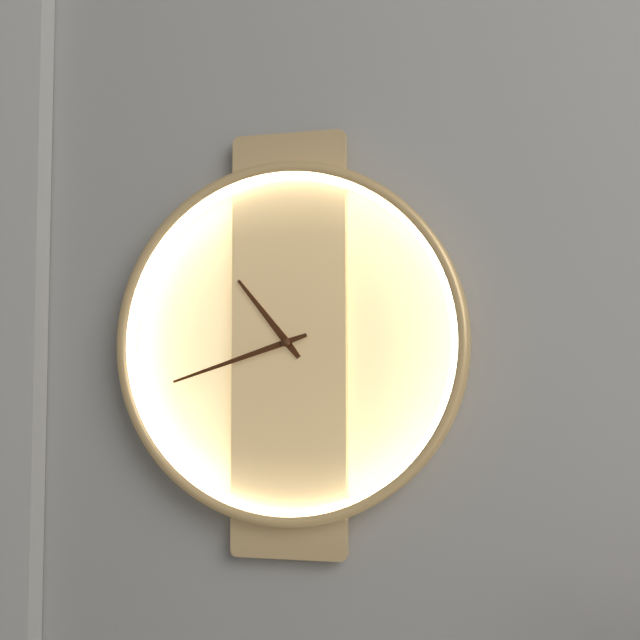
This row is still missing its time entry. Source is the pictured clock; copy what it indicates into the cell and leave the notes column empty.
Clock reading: 10:42
